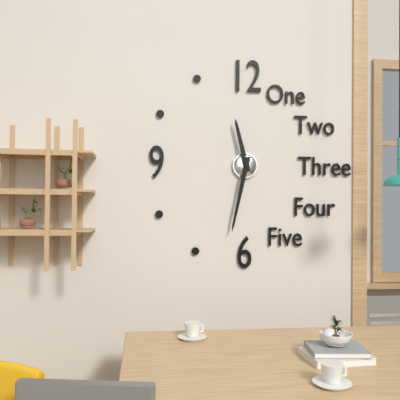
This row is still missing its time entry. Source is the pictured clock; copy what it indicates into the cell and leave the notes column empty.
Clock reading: 11:32
